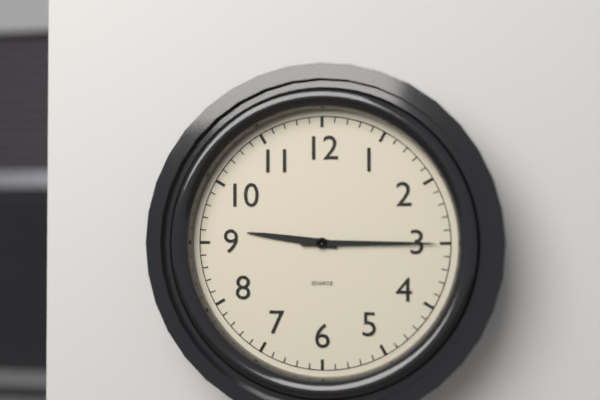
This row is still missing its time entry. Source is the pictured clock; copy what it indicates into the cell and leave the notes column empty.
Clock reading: 9:15
